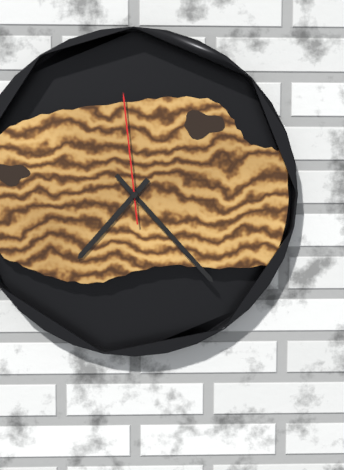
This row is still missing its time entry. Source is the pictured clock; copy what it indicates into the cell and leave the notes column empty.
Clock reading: 7:23:59
